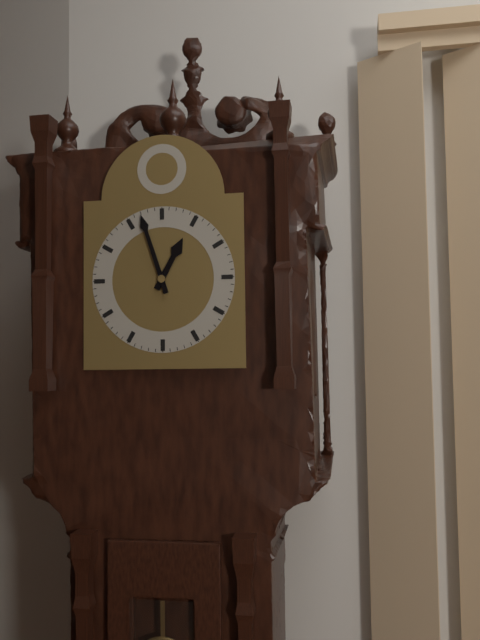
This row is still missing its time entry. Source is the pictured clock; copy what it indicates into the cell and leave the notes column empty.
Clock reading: 12:57
